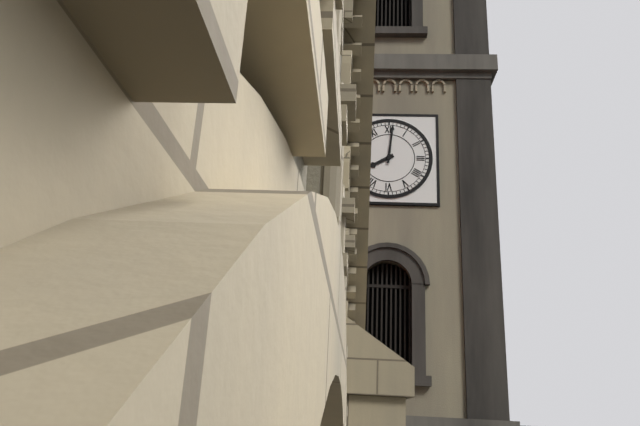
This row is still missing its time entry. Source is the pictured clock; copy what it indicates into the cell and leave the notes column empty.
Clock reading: 8:01
